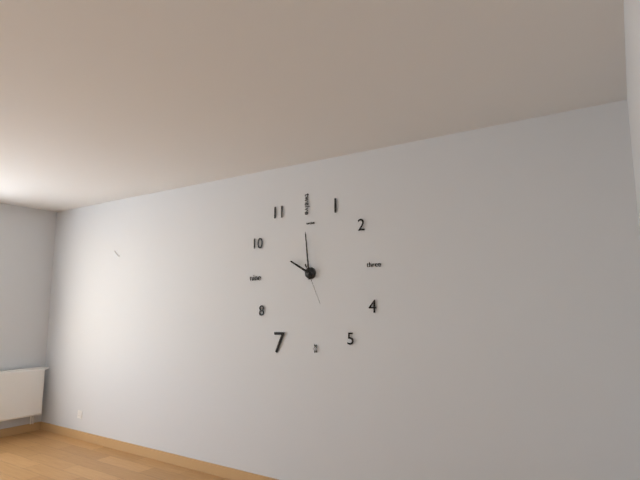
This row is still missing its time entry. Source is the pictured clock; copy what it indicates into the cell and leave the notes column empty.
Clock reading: 9:59
